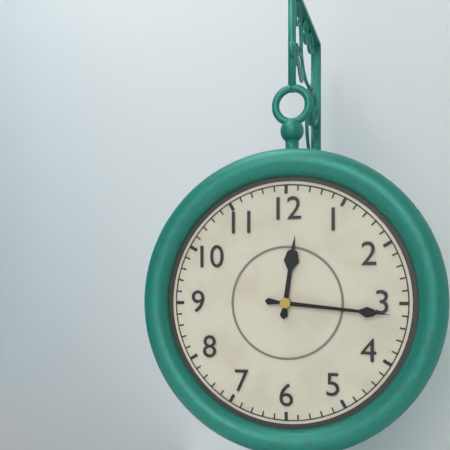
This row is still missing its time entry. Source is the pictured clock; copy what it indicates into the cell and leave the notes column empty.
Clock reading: 12:16
